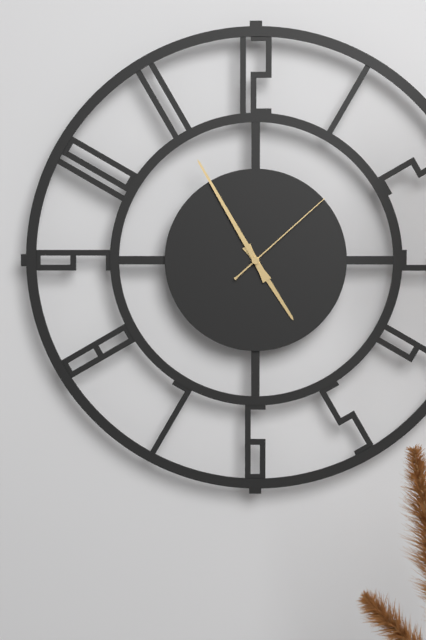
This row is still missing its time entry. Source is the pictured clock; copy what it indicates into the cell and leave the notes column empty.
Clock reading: 4:55:08
